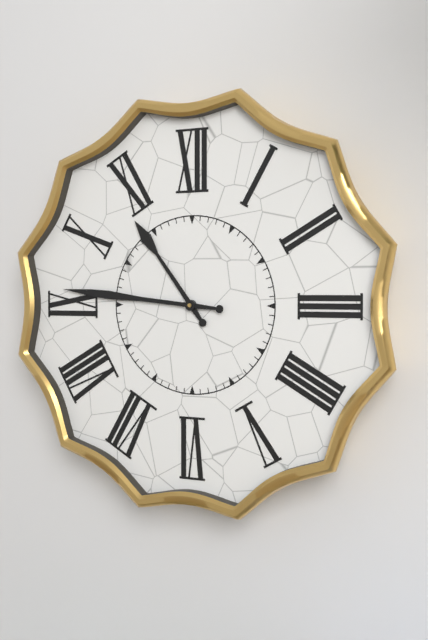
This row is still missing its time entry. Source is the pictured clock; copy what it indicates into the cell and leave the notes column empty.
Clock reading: 10:46
